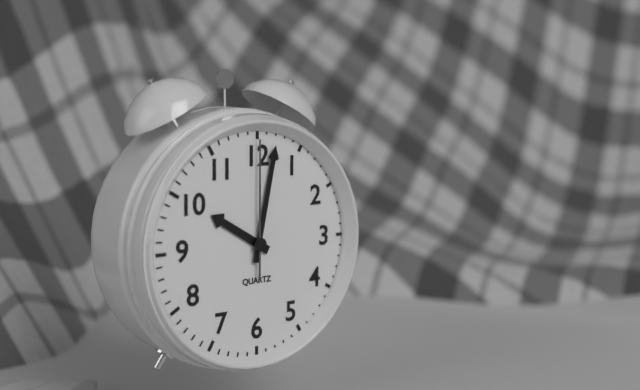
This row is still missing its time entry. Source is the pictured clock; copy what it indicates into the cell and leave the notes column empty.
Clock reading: 10:02:00
